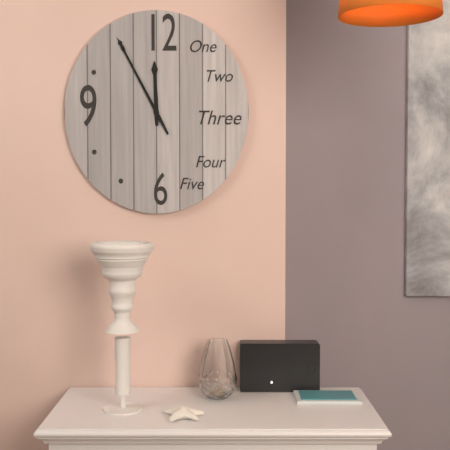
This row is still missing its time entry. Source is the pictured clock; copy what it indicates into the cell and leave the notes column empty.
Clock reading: 11:55
